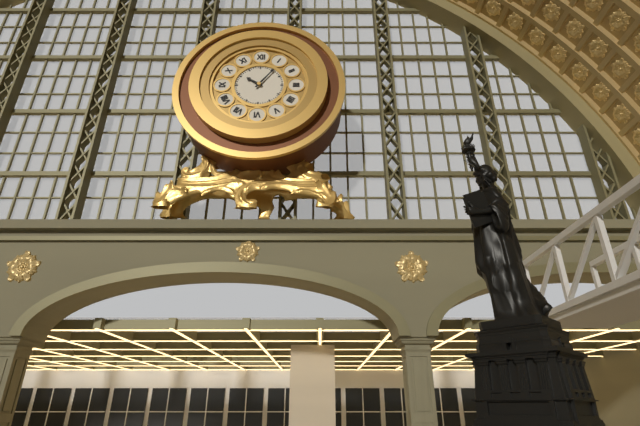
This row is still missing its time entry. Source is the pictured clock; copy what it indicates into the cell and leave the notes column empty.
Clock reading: 10:06
